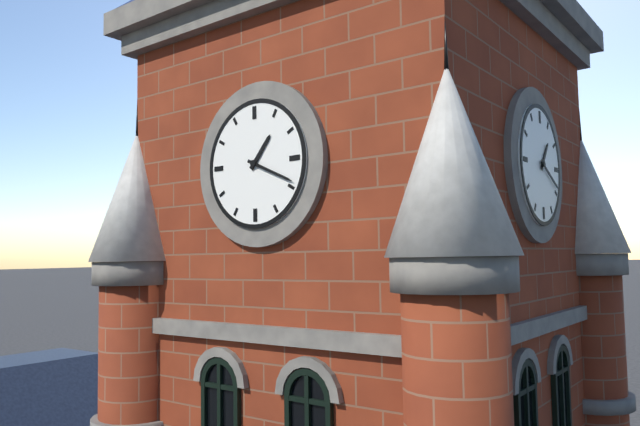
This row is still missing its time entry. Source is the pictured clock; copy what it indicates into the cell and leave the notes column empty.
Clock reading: 1:19
